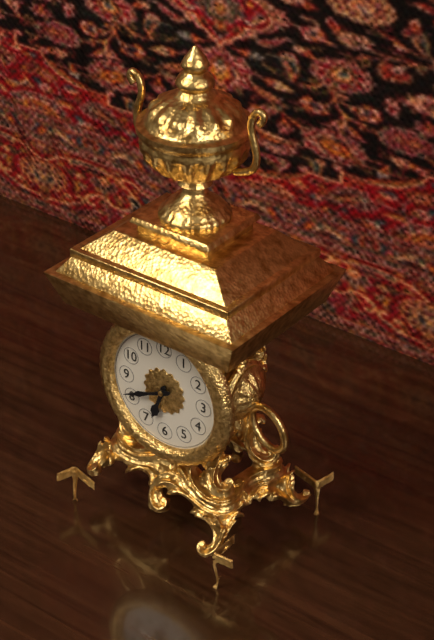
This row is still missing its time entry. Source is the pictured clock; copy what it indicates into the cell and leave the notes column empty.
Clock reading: 6:41
